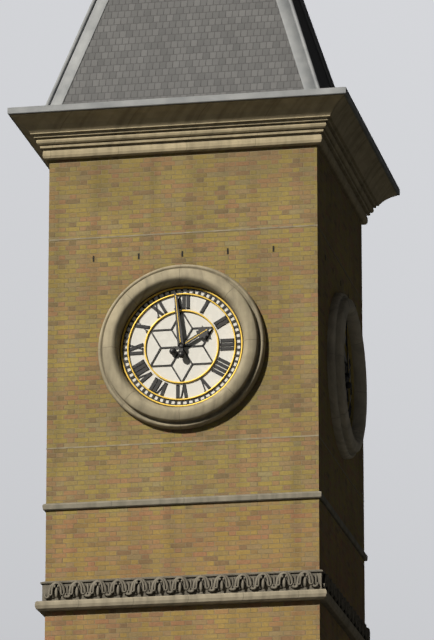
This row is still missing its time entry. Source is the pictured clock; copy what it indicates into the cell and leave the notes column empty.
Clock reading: 1:59
